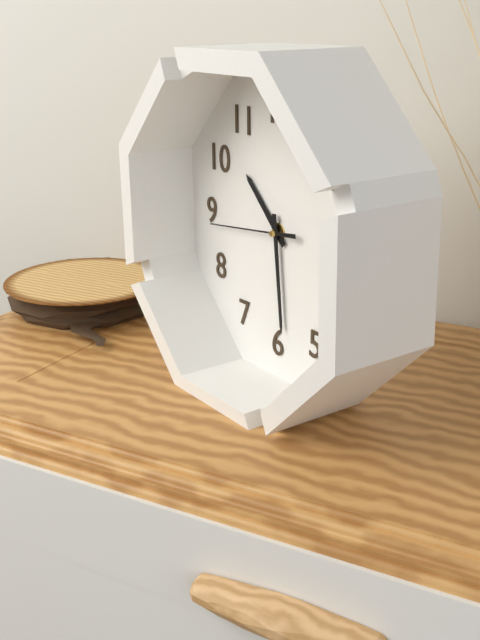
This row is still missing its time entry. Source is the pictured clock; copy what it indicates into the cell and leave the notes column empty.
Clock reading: 10:29:44
